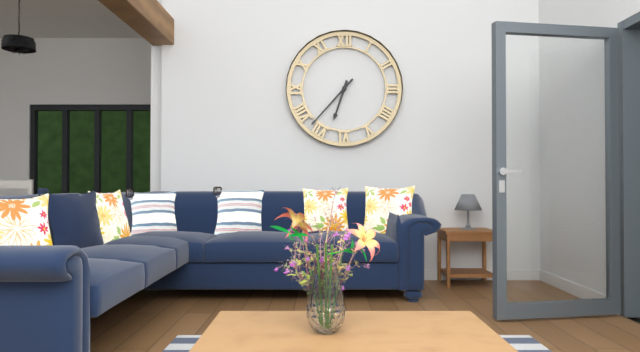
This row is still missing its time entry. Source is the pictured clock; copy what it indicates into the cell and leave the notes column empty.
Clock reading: 6:37
